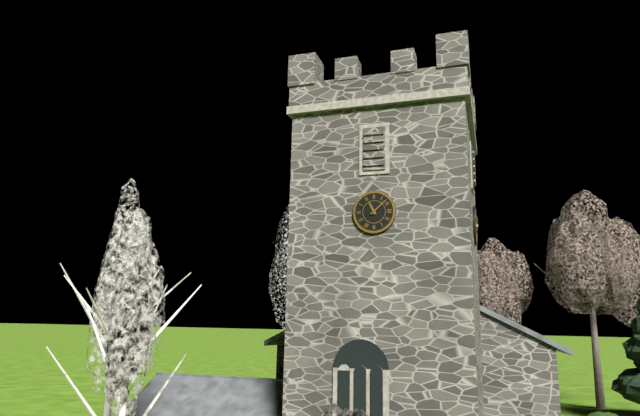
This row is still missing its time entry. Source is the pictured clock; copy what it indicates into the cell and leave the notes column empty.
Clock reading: 11:08
